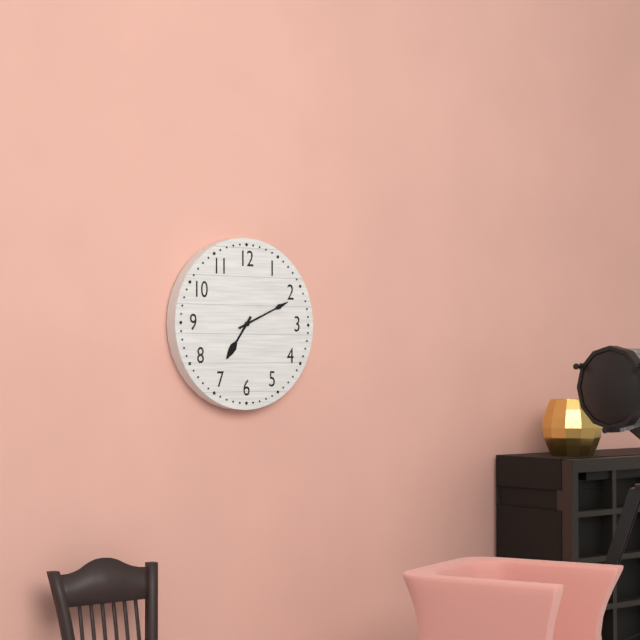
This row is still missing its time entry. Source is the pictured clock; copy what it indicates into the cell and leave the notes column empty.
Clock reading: 7:11
